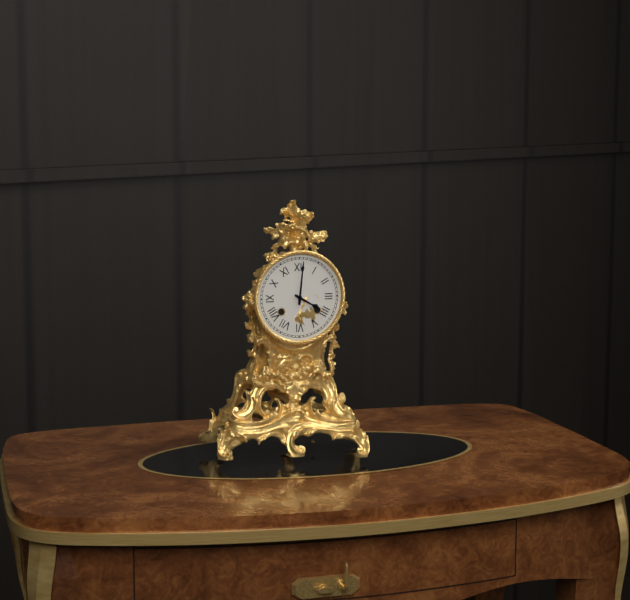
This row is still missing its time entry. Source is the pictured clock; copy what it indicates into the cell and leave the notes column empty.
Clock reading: 4:01
